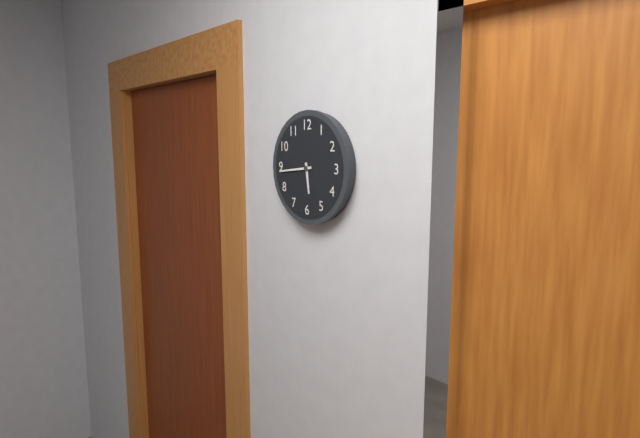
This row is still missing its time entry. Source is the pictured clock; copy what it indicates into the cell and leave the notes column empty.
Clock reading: 5:44
